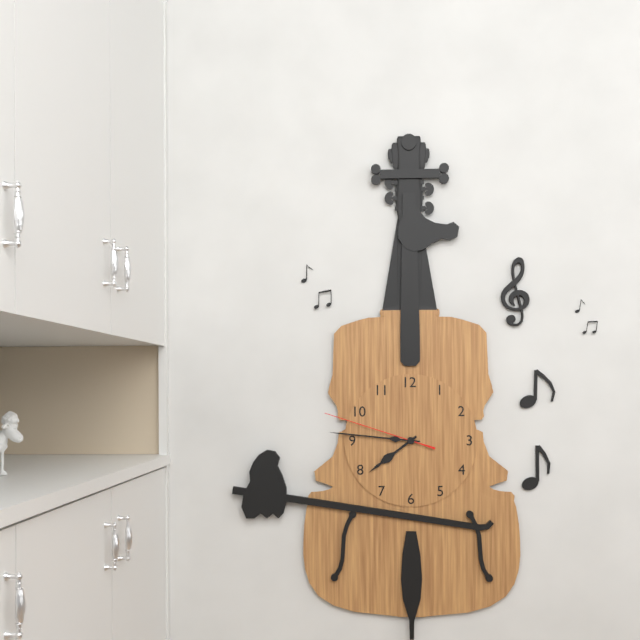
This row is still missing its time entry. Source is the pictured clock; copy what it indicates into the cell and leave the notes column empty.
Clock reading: 7:46:48
